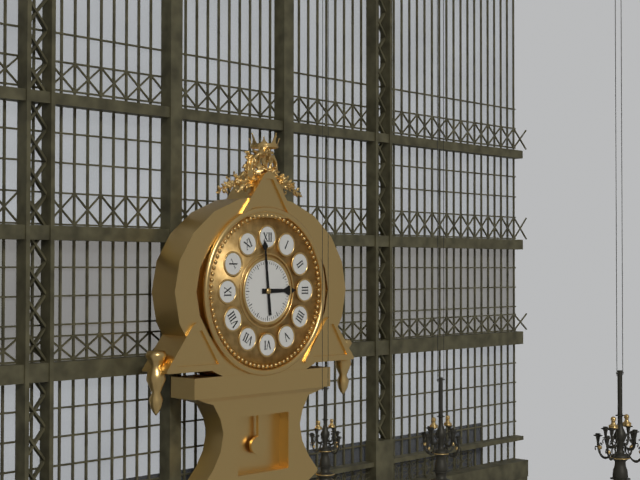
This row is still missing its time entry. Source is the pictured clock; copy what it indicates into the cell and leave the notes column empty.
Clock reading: 2:59
